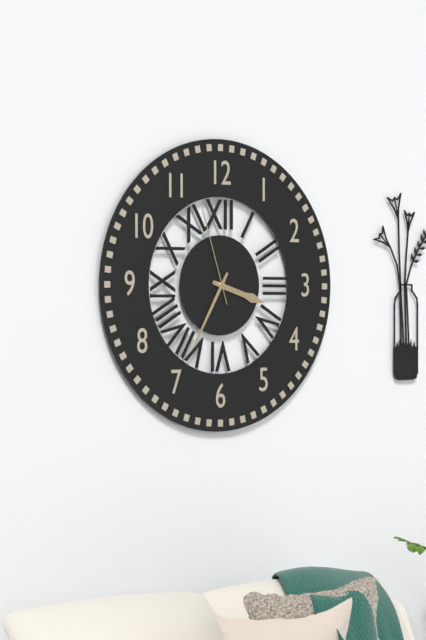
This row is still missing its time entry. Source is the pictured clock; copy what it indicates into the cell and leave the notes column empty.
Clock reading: 3:35:57
